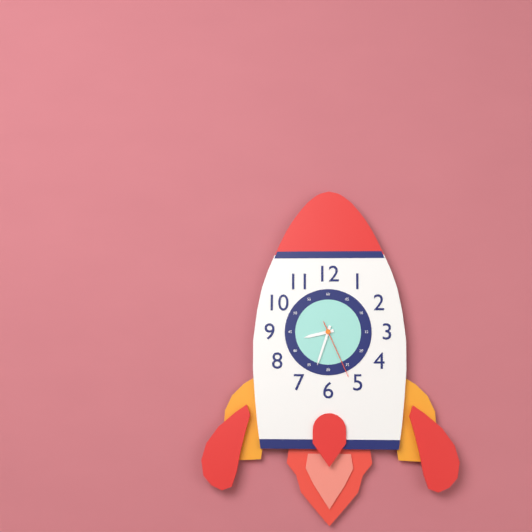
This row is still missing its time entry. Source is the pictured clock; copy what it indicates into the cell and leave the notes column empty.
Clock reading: 8:33:26
